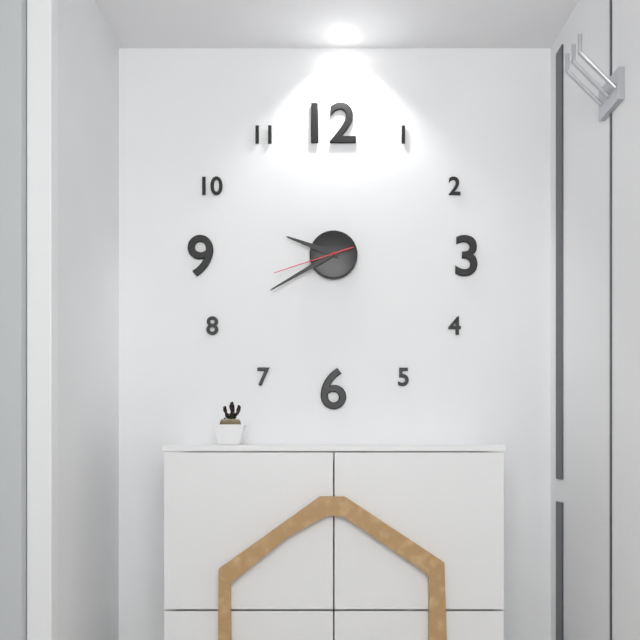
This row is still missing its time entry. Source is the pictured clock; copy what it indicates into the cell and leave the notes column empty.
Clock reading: 9:40:42
